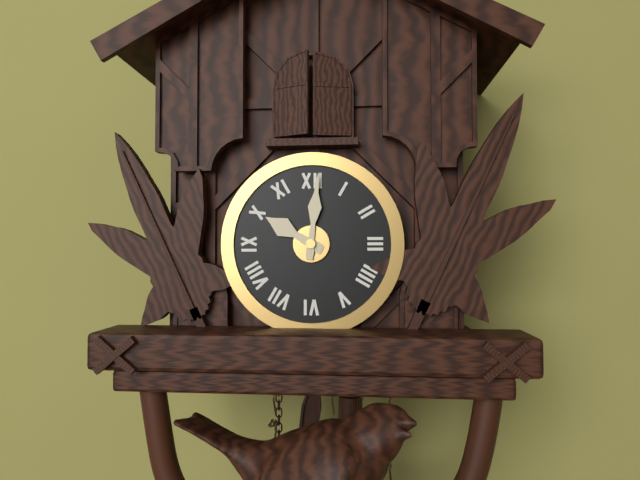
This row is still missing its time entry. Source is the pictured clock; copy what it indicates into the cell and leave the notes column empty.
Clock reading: 10:01
